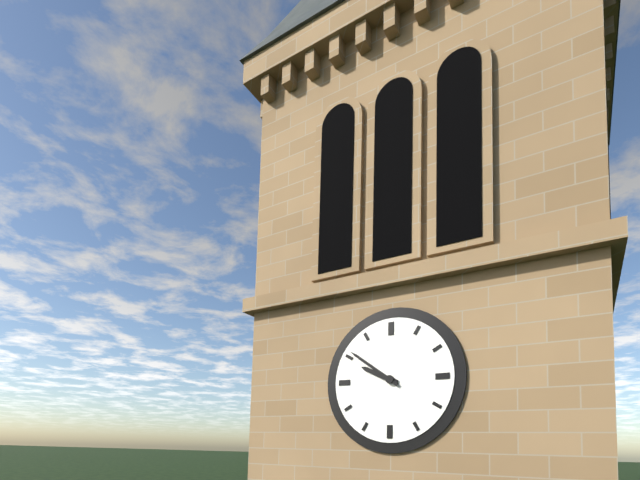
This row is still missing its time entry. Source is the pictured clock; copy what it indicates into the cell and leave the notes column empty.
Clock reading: 9:51
